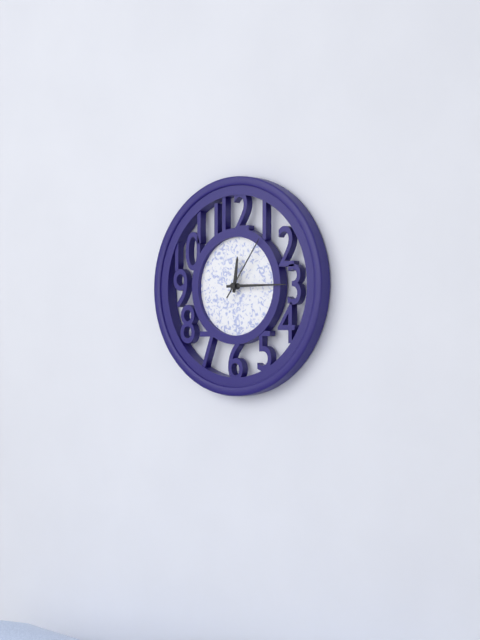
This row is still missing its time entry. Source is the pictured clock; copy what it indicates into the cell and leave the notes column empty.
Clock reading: 12:15:06
